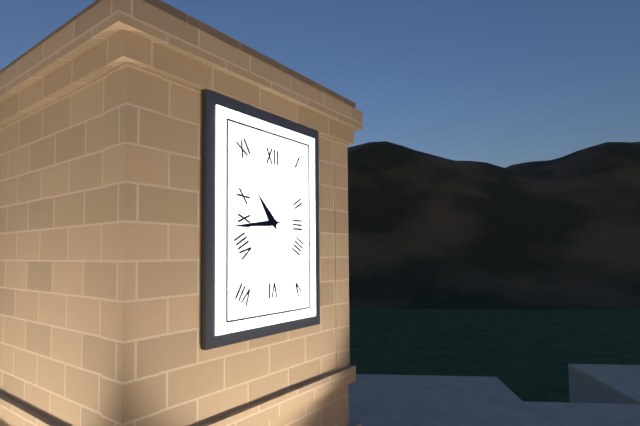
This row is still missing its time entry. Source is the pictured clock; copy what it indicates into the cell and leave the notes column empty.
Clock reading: 10:44
